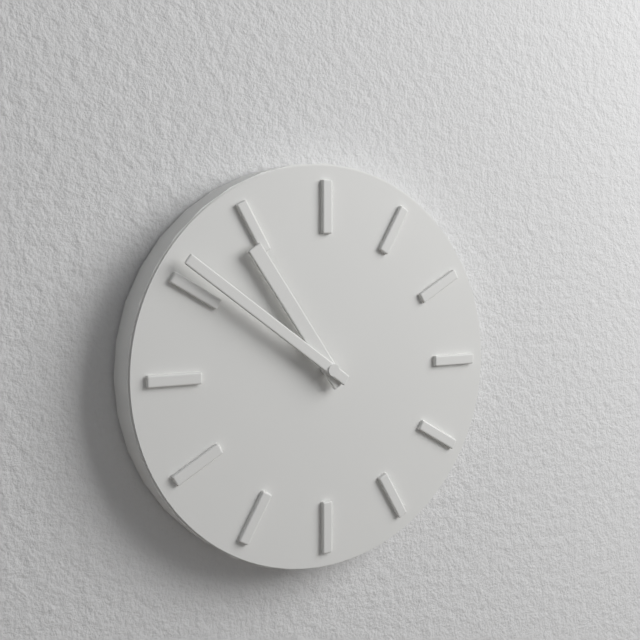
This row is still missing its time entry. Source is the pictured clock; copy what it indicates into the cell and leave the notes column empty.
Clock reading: 10:51
